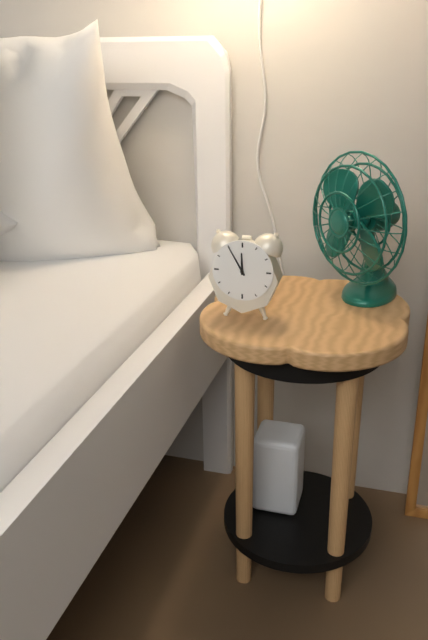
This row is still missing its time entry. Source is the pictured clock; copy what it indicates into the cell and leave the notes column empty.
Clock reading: 11:55
